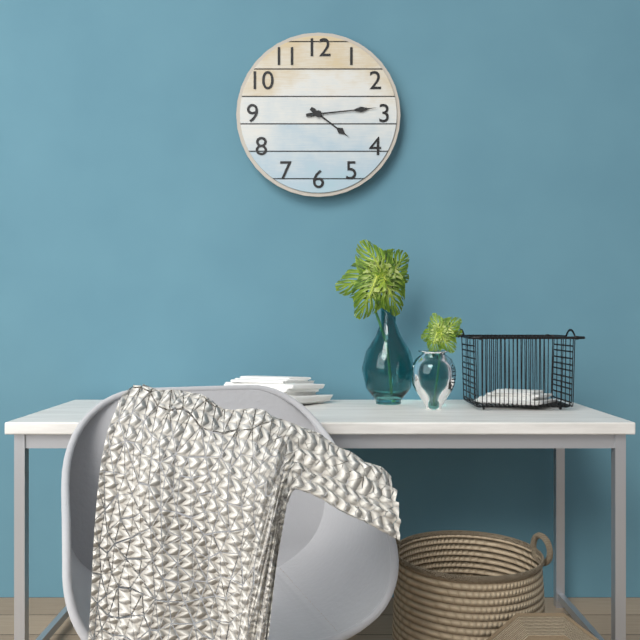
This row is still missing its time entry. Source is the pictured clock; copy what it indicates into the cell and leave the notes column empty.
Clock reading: 4:14
